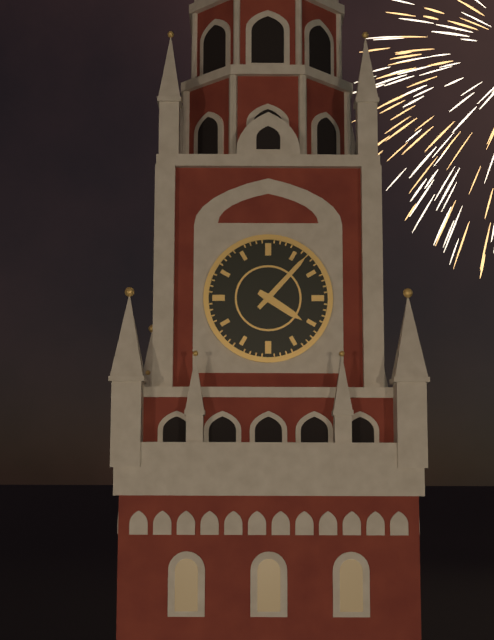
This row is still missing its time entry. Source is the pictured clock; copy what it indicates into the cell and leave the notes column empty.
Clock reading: 4:07
